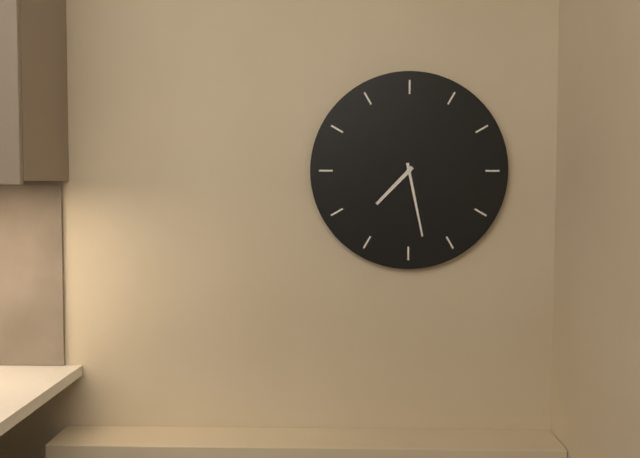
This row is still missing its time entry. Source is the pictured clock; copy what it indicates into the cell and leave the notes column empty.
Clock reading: 7:28
